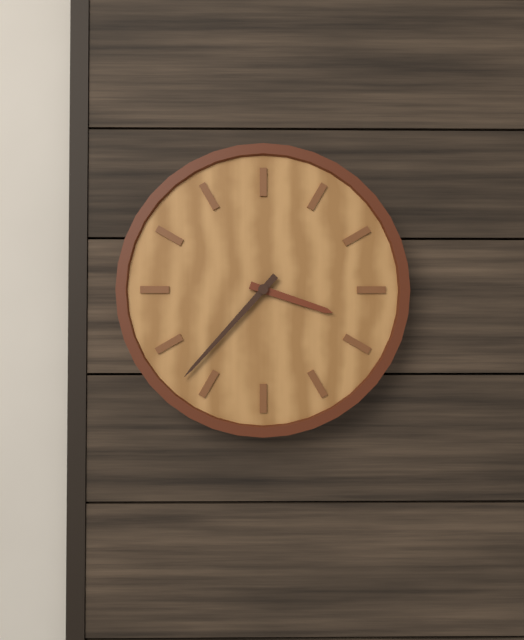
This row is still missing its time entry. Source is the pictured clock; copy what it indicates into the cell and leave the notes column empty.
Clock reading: 3:37
